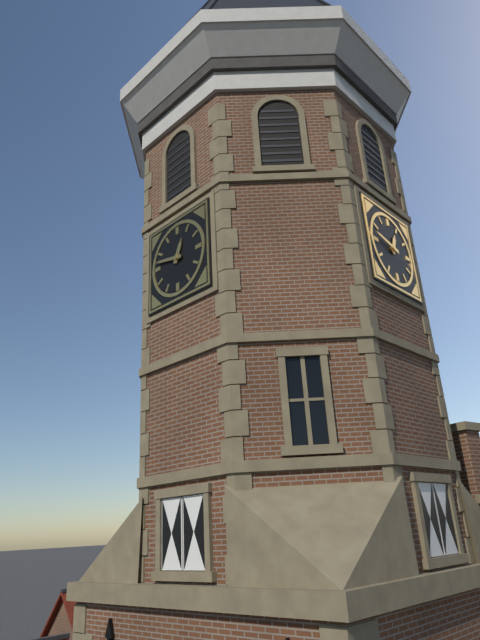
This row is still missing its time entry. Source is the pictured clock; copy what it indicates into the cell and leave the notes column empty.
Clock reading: 12:47
